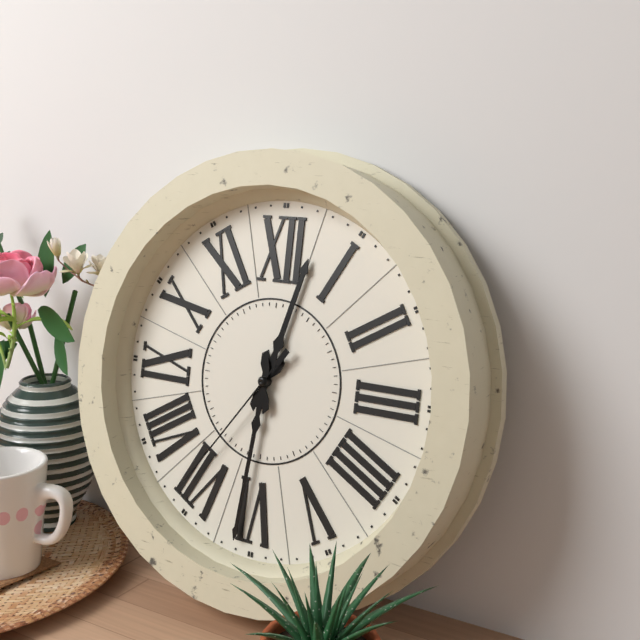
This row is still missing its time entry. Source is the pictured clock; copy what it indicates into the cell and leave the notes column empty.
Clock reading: 12:31:36
